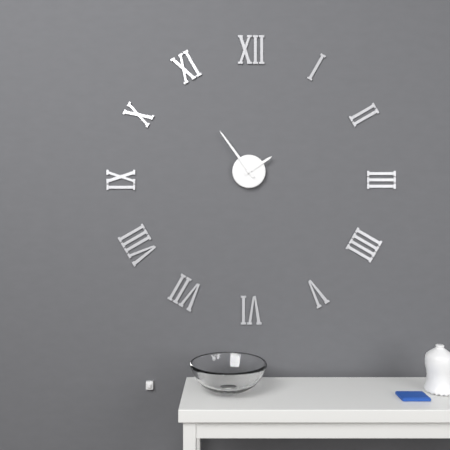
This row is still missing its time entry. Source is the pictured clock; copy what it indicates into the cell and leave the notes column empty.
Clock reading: 1:54
